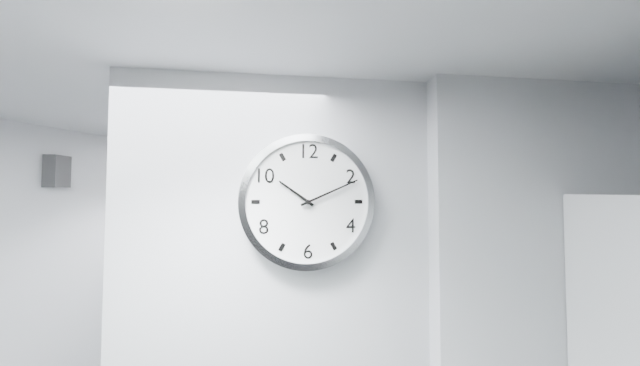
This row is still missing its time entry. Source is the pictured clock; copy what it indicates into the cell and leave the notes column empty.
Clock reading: 10:11
